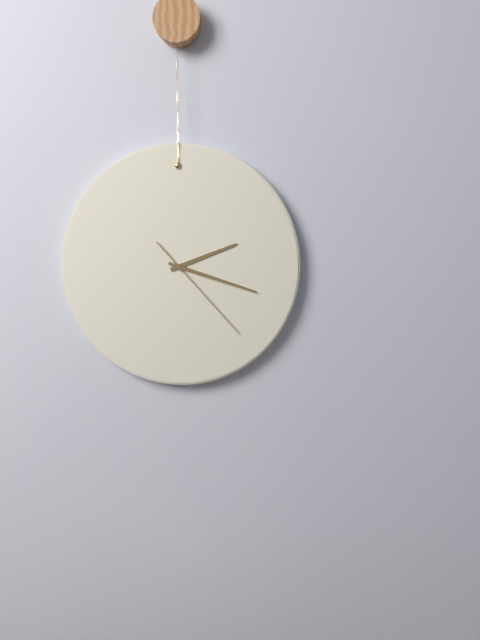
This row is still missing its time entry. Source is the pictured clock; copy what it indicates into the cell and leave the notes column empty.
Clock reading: 2:18:23
